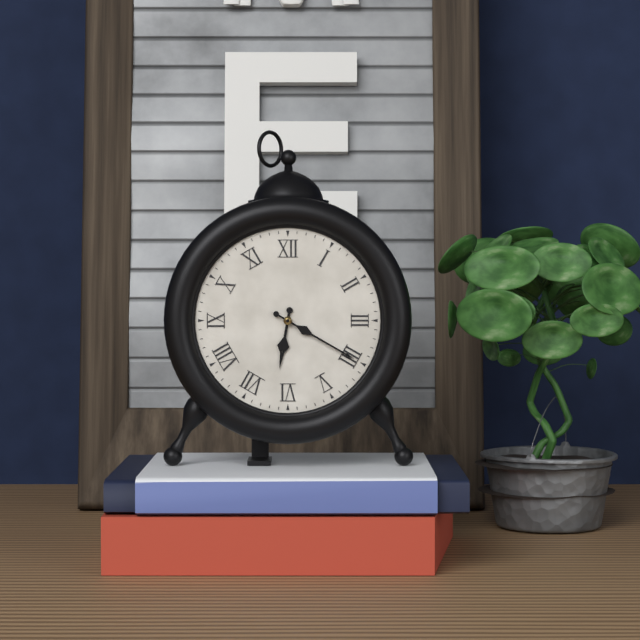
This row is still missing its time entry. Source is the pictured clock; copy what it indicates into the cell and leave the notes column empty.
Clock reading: 6:20
